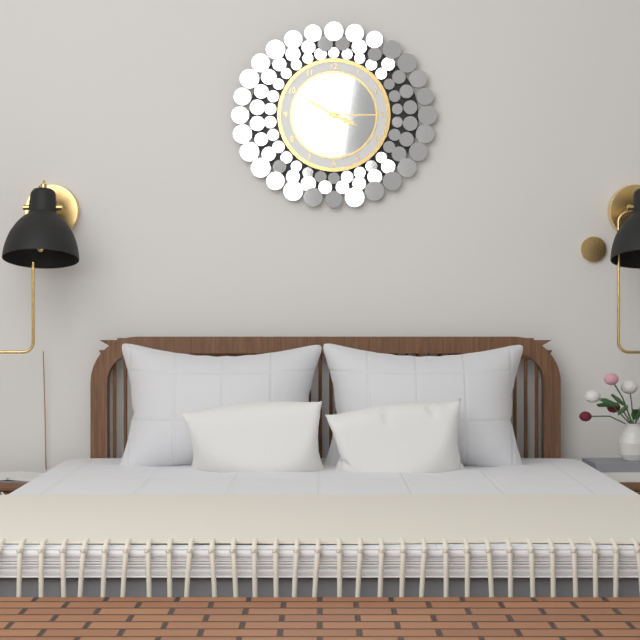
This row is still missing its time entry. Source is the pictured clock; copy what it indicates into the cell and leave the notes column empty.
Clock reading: 3:50
